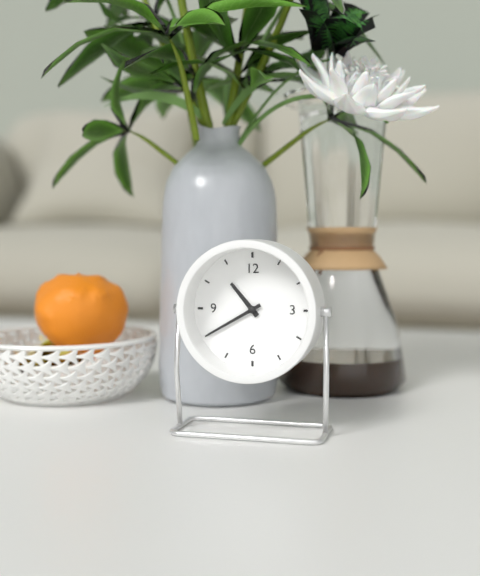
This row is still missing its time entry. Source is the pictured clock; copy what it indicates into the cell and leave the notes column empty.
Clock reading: 10:40
